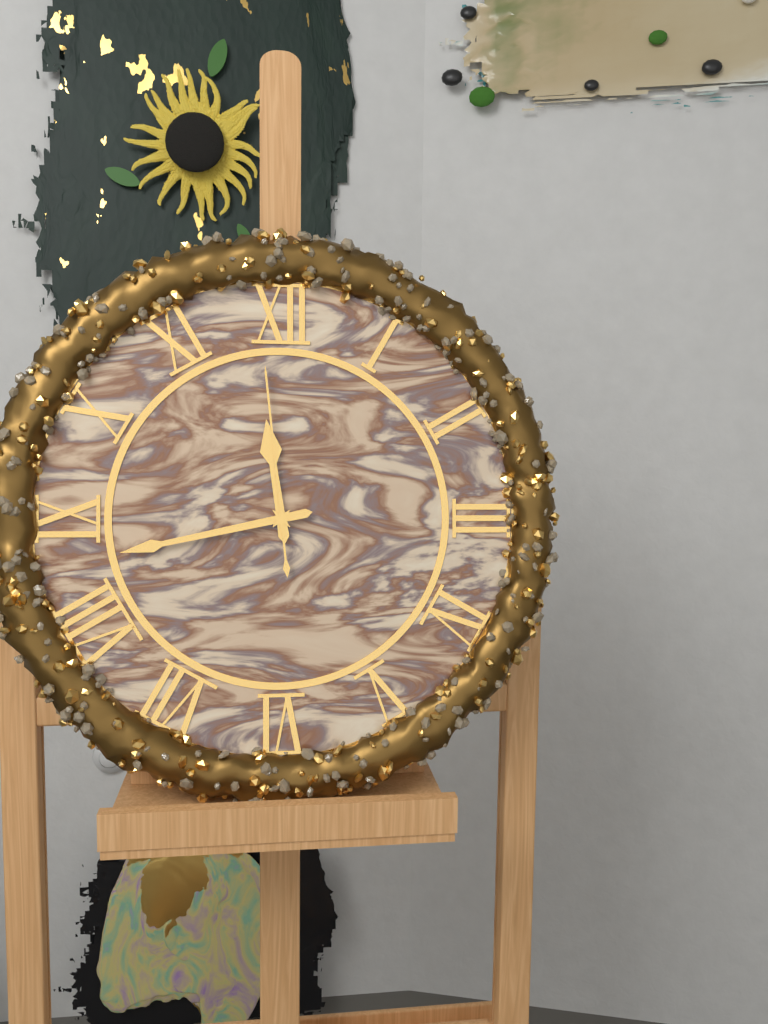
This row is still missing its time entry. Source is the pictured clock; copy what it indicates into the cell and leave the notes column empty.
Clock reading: 11:43:59
